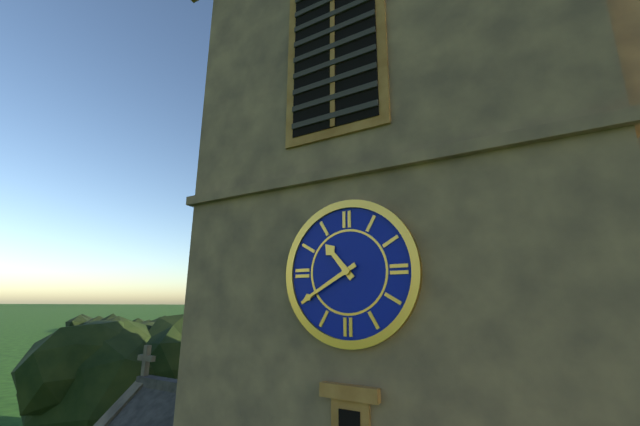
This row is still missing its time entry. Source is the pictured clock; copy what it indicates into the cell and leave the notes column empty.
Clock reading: 10:40
